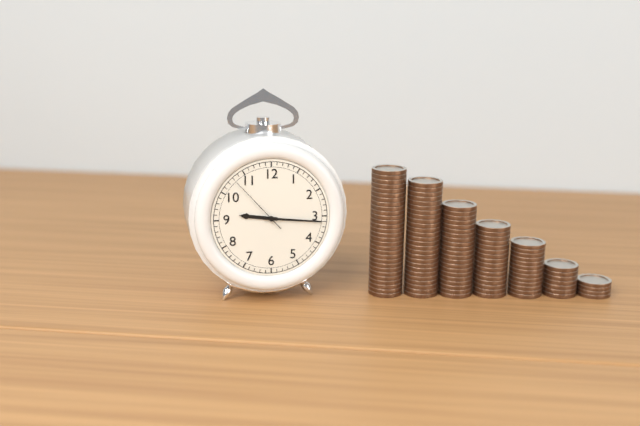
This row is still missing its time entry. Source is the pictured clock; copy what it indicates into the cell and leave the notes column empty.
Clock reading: 9:16:53
